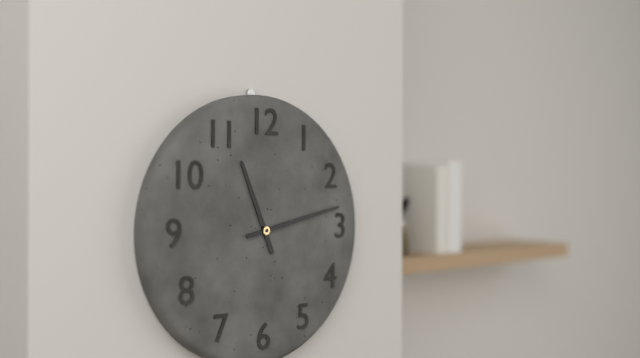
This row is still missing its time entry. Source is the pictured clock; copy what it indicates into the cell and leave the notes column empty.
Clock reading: 11:13
